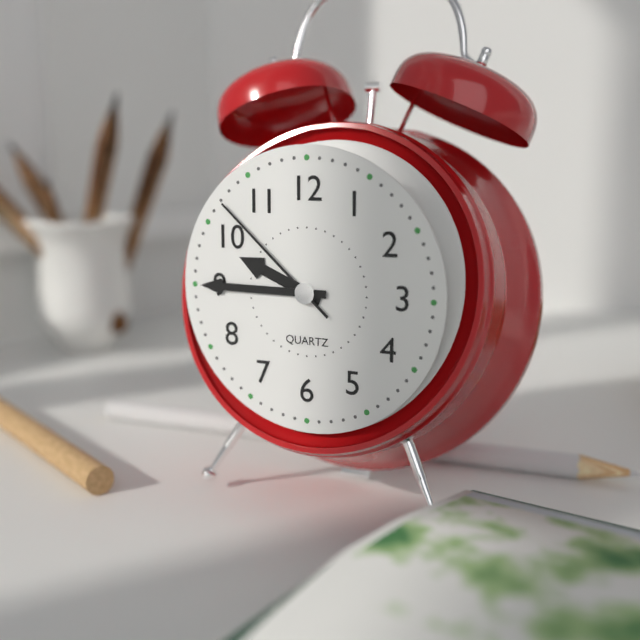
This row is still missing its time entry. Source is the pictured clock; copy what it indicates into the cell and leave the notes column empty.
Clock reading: 9:45:52
